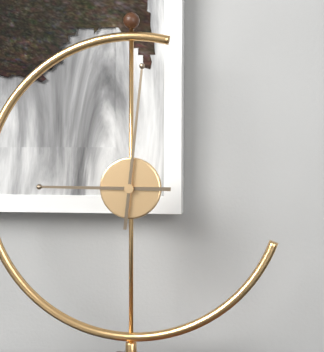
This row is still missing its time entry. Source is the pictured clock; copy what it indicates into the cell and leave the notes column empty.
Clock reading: 9:01
